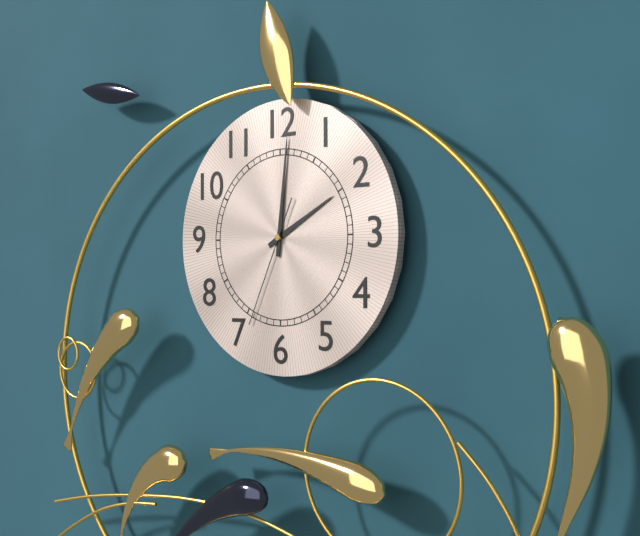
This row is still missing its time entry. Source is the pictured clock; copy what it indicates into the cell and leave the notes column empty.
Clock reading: 2:01:34
